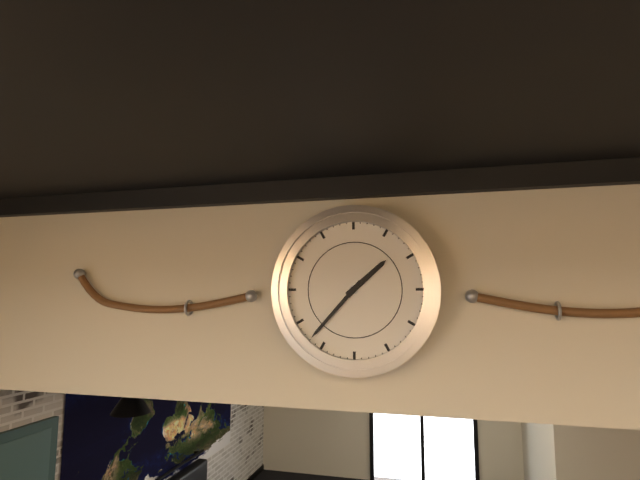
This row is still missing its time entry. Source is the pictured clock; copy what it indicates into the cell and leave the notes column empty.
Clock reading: 1:37
